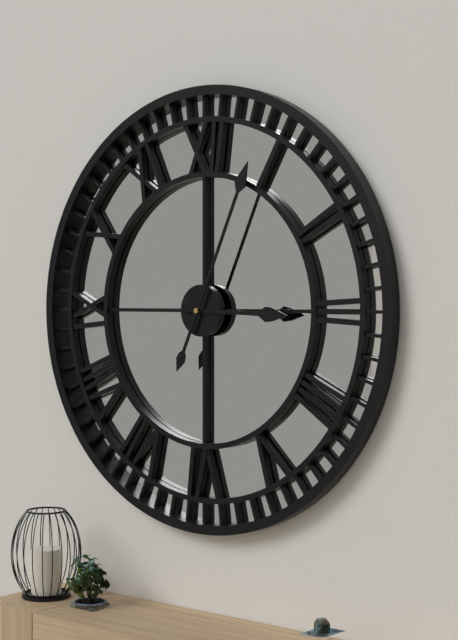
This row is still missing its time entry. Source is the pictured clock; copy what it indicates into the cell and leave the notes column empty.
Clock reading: 3:04
